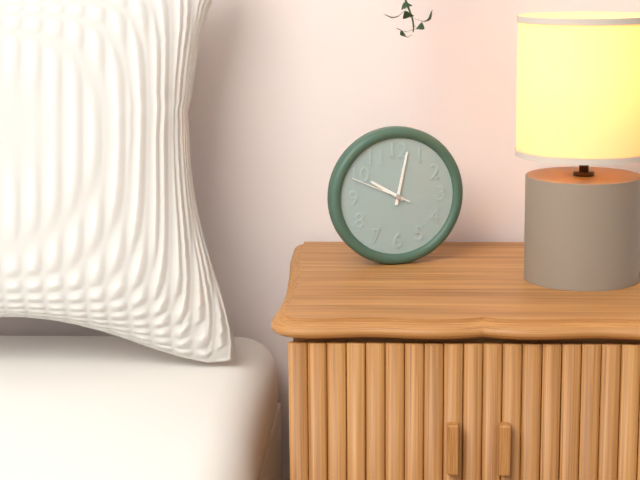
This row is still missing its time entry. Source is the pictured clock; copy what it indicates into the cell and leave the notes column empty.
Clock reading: 10:02:49
